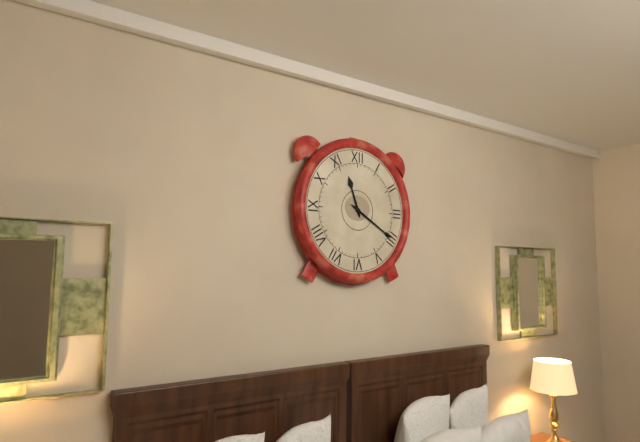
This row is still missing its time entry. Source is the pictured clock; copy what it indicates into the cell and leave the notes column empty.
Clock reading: 11:20
